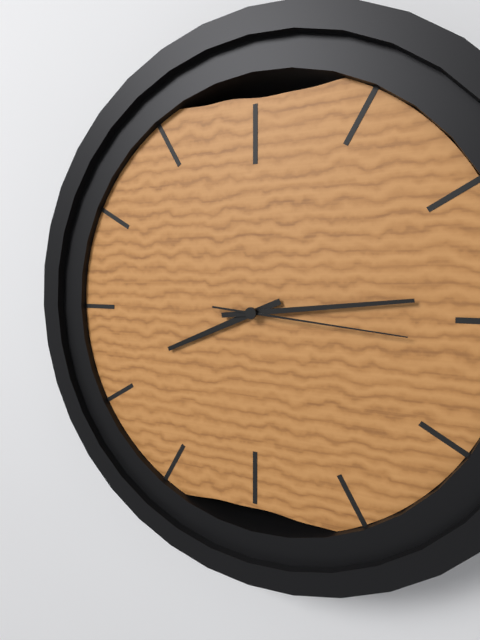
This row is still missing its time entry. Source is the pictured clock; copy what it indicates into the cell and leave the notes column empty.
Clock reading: 8:14:16
